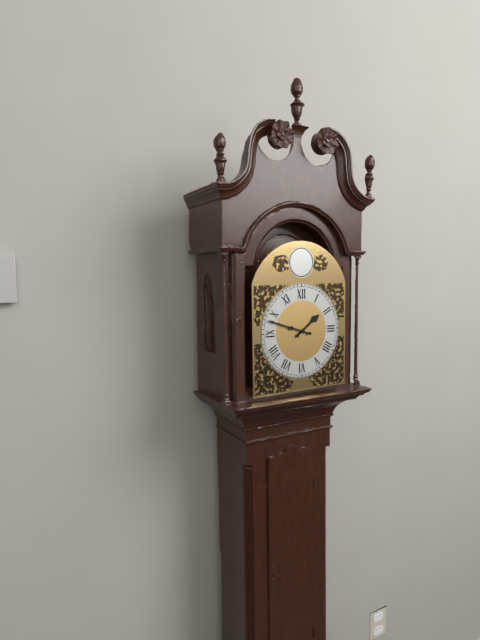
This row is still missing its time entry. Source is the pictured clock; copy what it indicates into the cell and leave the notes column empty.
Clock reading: 1:48
